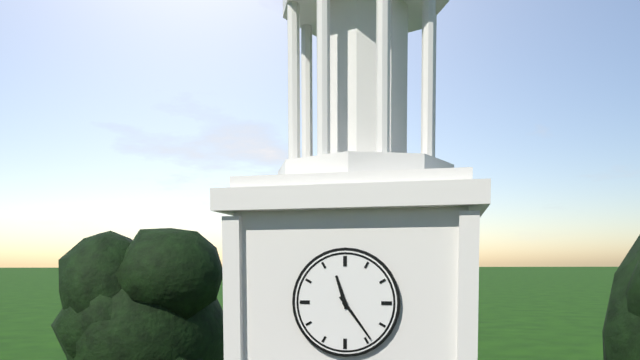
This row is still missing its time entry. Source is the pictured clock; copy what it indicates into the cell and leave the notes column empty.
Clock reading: 11:24
